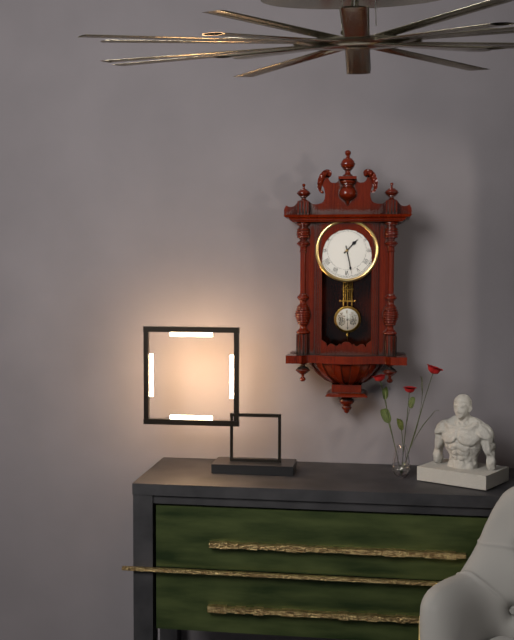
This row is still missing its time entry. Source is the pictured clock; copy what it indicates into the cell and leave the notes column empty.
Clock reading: 1:28
